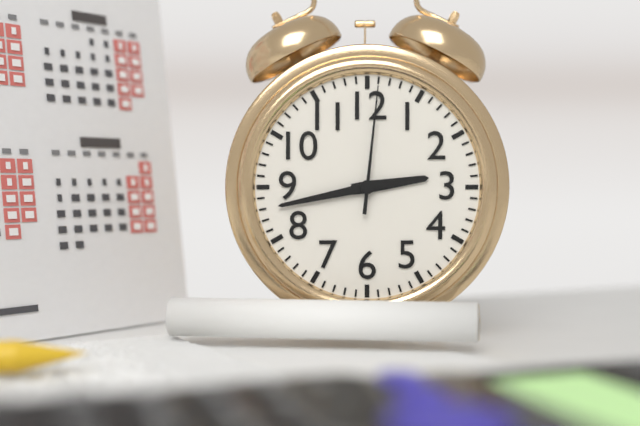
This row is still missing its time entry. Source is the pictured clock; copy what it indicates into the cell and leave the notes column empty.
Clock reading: 2:43:01
